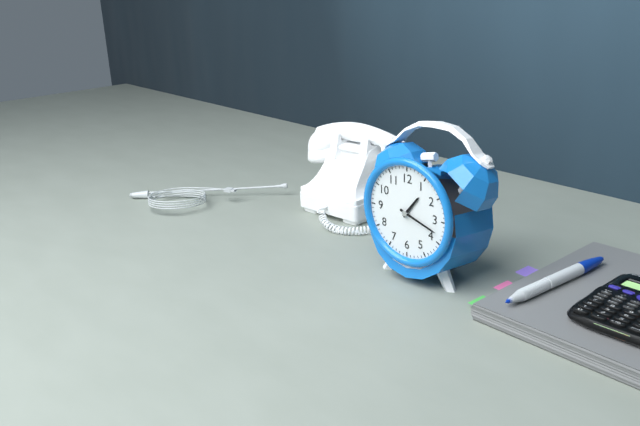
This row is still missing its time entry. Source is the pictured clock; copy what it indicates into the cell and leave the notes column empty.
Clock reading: 1:18
